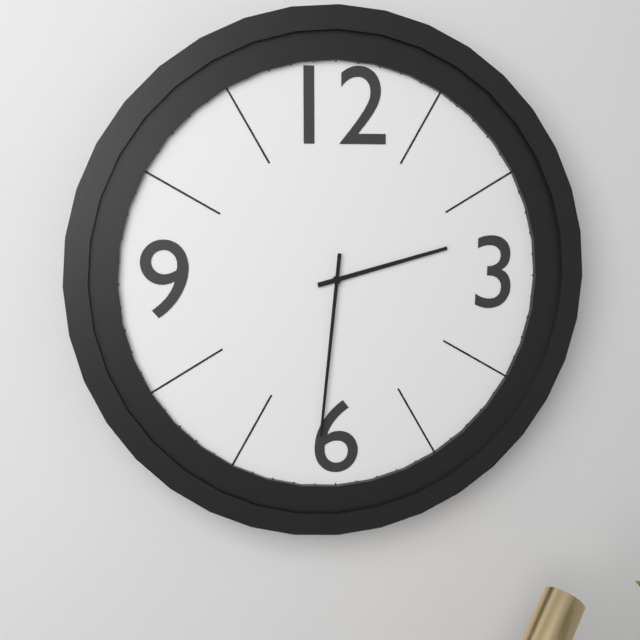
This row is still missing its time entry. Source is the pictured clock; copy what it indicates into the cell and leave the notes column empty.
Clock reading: 2:31
